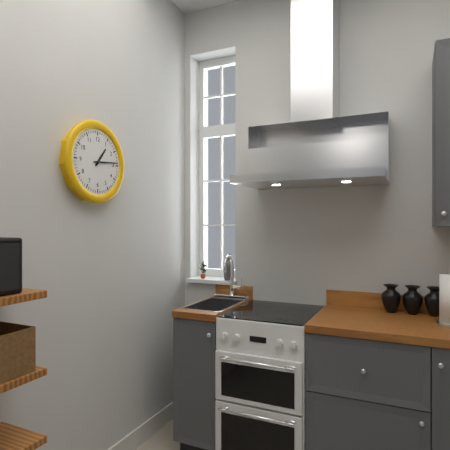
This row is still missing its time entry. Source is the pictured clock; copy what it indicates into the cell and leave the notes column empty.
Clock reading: 1:14
